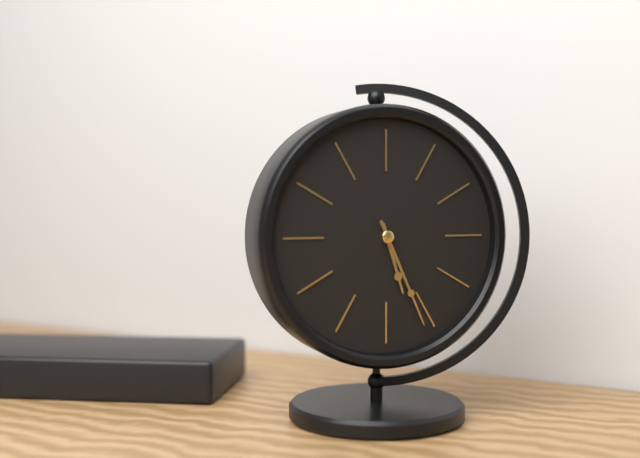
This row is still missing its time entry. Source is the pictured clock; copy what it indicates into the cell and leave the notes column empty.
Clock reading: 5:26
